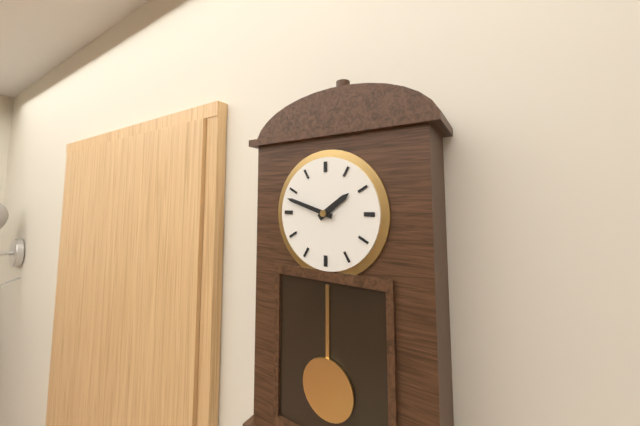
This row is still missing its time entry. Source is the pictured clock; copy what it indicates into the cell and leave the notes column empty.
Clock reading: 1:48
